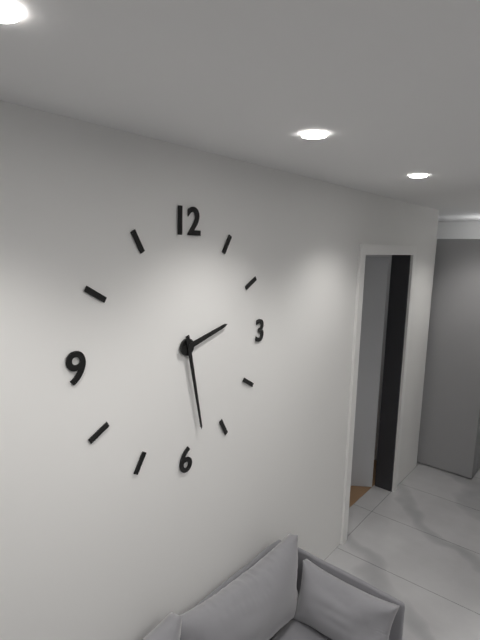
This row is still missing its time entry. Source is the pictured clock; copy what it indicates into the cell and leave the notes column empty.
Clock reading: 2:28
